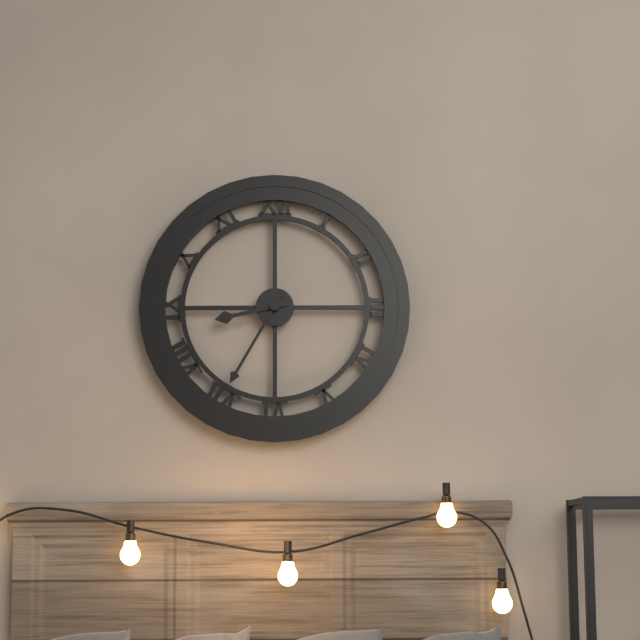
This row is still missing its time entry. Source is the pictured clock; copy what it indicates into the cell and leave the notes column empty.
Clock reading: 8:35
